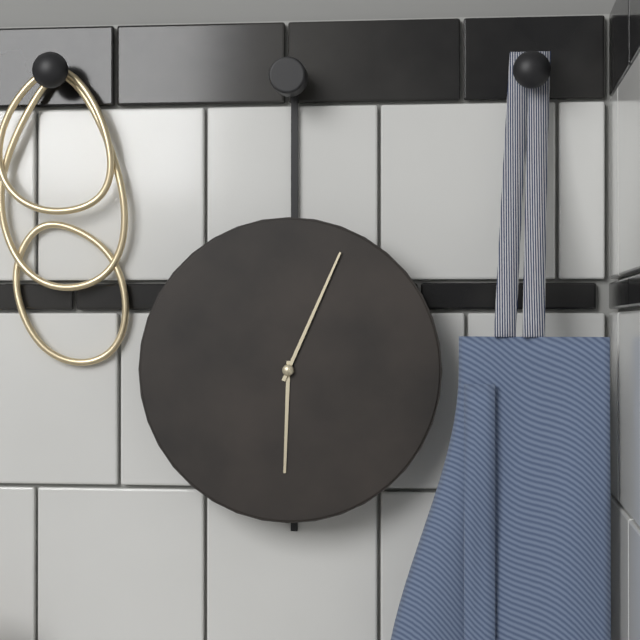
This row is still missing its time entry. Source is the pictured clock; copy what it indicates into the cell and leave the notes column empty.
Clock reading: 6:04
